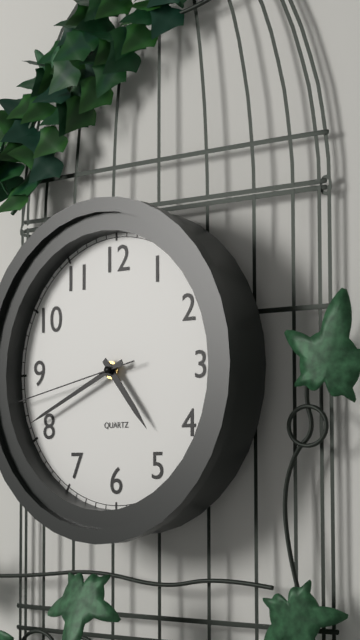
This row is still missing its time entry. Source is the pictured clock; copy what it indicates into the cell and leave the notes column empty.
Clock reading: 4:41:43
